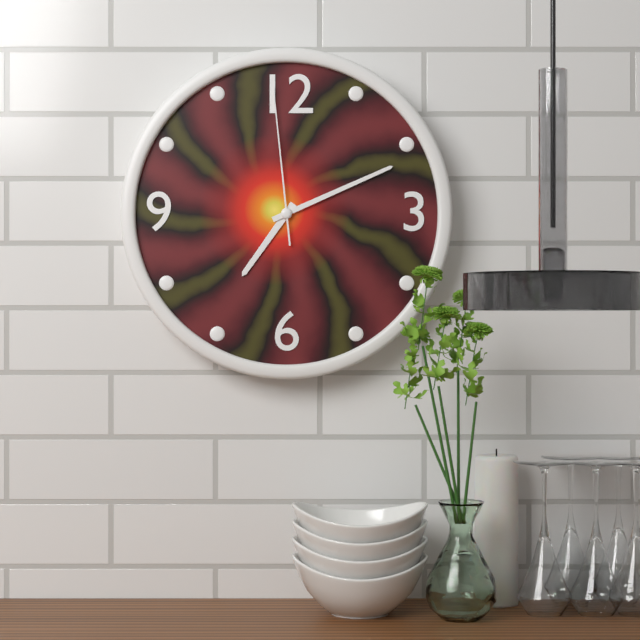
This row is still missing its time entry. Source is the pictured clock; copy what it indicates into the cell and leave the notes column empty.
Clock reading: 7:11:59
